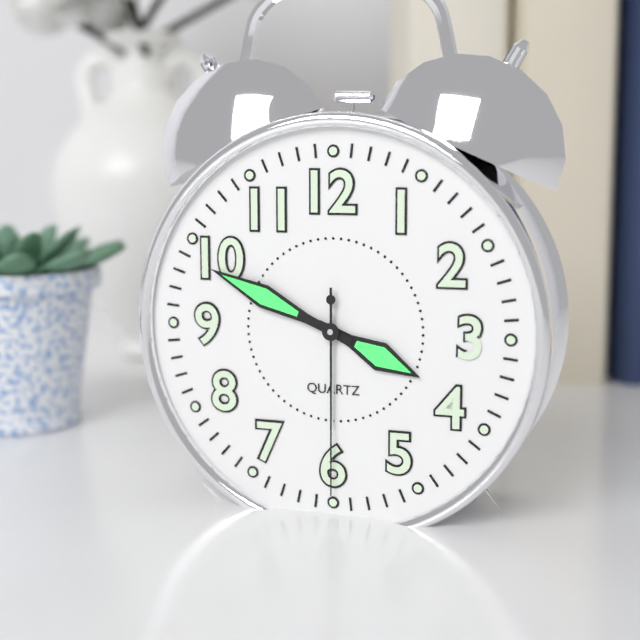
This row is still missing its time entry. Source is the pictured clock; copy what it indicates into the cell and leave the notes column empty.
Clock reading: 3:49:30
